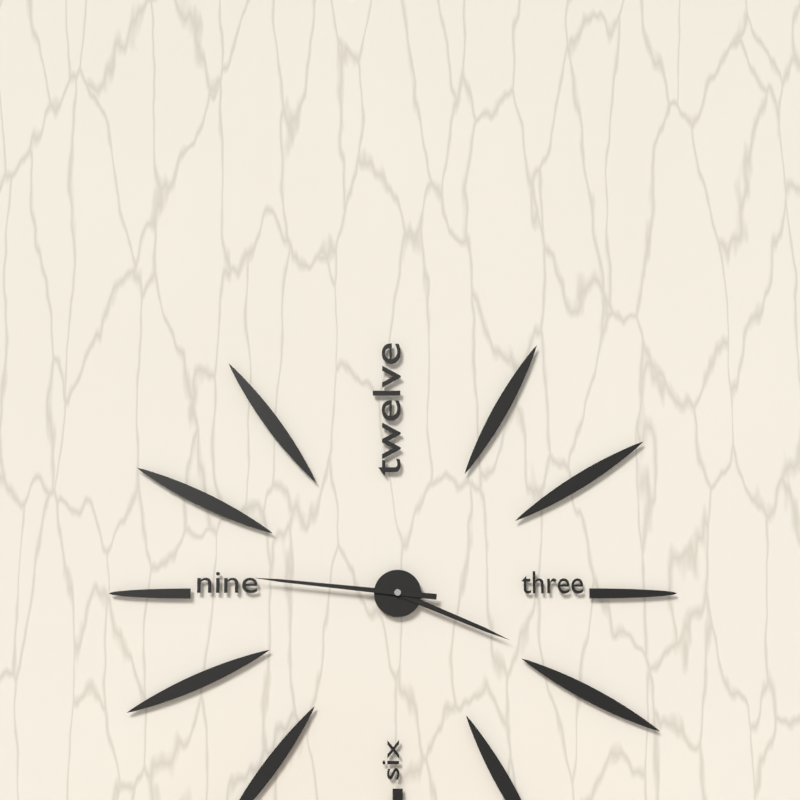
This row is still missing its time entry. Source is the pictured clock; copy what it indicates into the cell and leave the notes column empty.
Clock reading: 3:46
